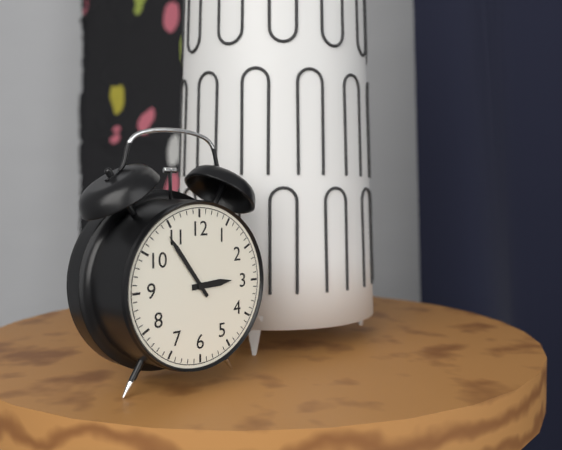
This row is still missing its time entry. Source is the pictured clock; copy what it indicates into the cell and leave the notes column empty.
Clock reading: 2:54
